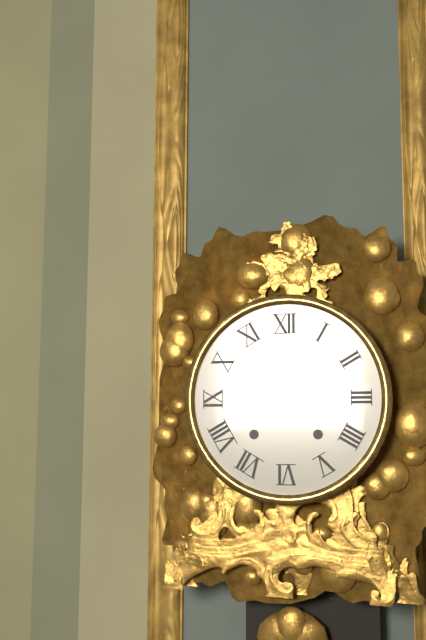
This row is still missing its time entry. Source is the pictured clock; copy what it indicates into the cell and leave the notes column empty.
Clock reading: 9:13
